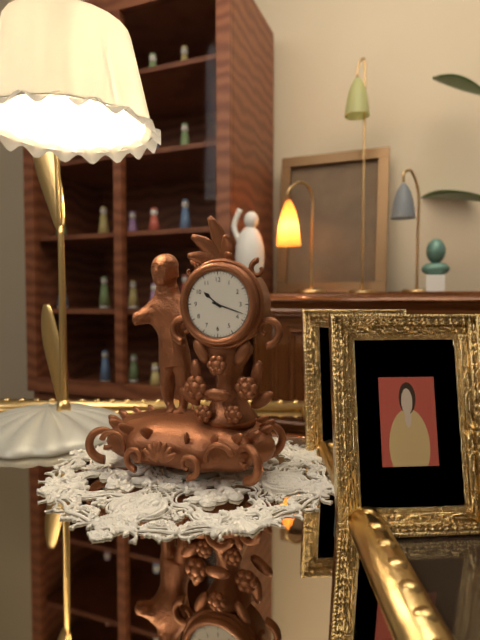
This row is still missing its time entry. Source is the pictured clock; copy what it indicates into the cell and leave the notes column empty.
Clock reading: 10:18
